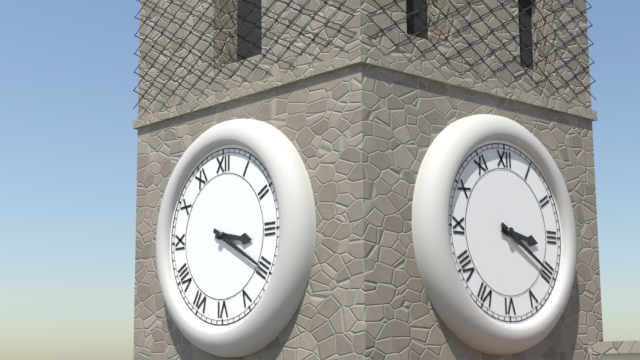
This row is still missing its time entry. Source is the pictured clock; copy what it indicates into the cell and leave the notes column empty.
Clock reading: 3:20
